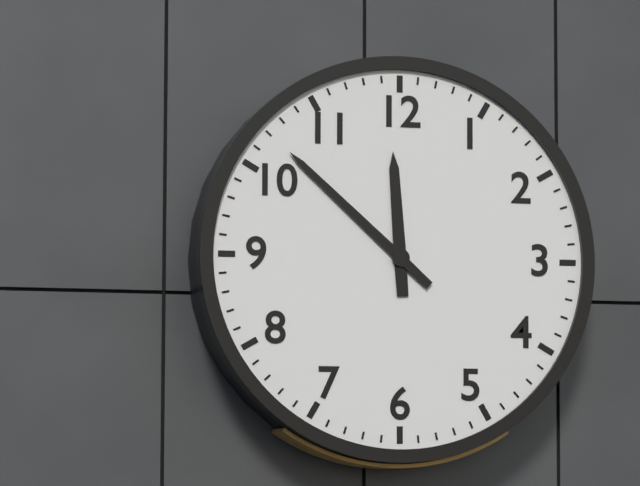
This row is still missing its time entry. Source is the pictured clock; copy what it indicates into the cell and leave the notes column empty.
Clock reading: 11:52
